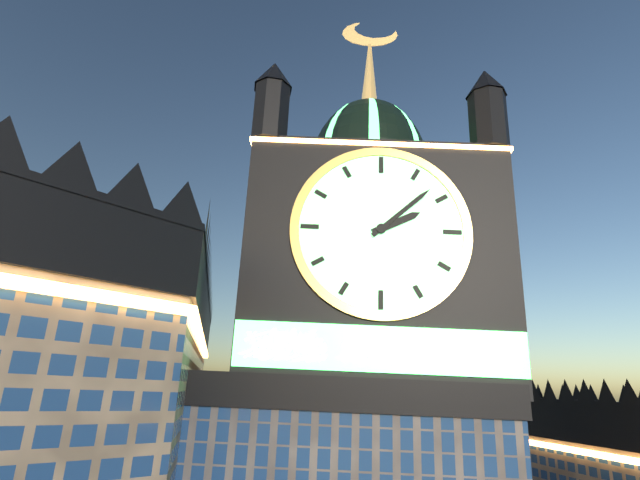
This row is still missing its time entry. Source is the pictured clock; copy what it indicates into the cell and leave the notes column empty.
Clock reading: 2:08
